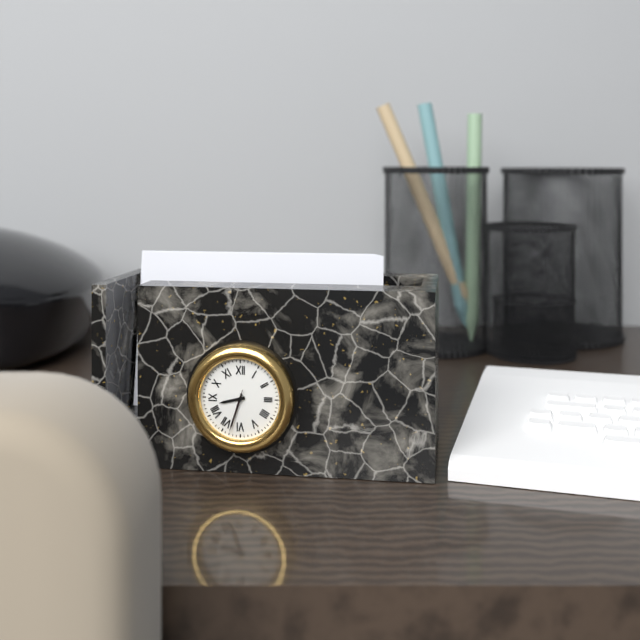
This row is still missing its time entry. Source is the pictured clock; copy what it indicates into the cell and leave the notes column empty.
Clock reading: 8:33
